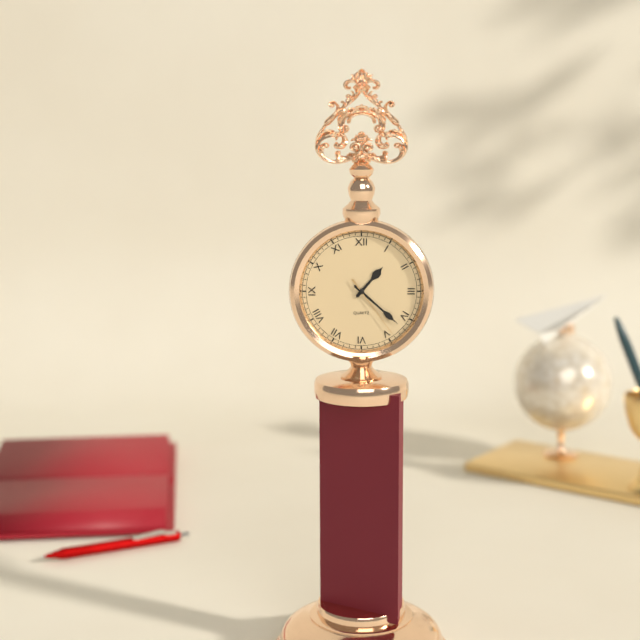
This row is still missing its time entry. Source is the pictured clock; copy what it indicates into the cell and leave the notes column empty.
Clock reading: 1:22:24
